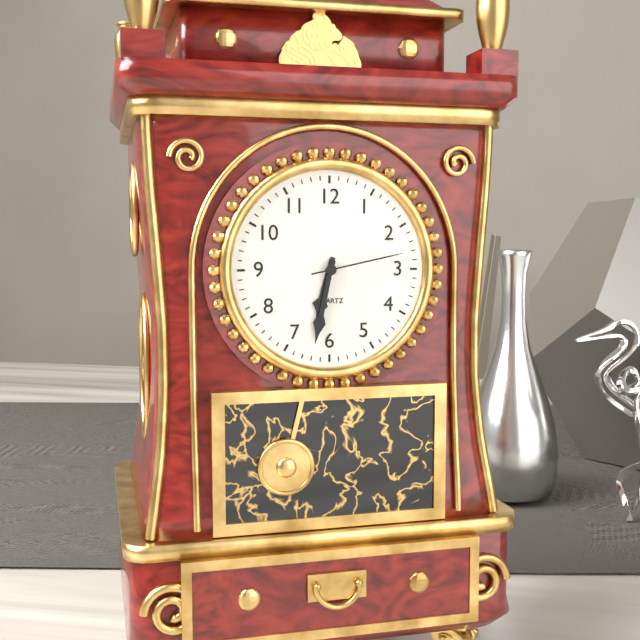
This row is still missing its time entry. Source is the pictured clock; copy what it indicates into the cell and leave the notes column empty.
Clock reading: 6:32:13
